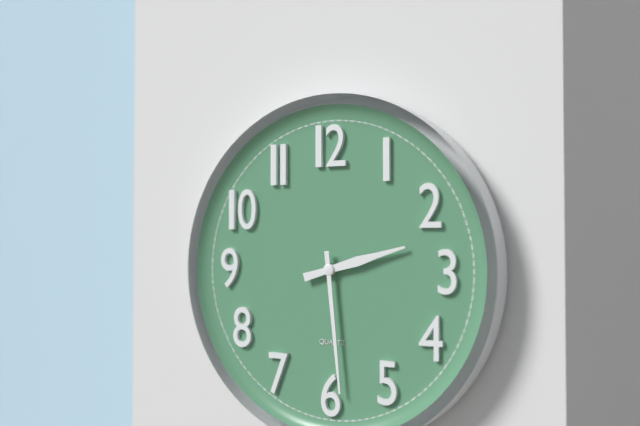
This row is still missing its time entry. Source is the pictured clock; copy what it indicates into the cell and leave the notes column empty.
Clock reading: 2:29
